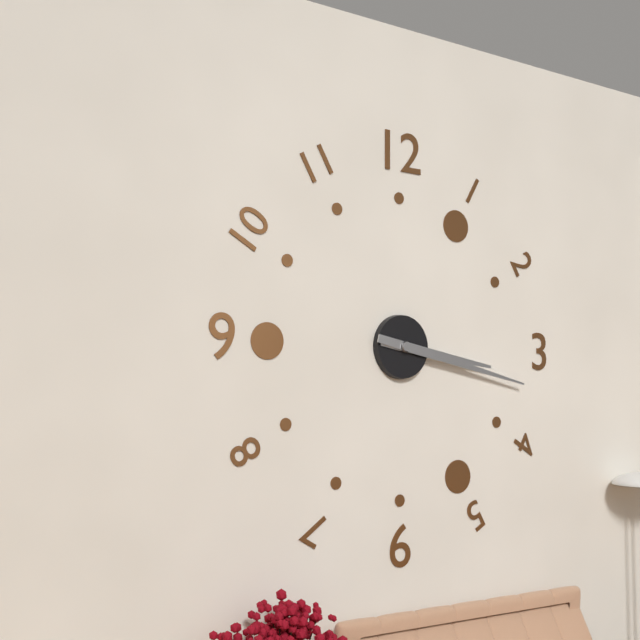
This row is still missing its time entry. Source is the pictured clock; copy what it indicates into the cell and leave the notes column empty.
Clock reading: 3:17
